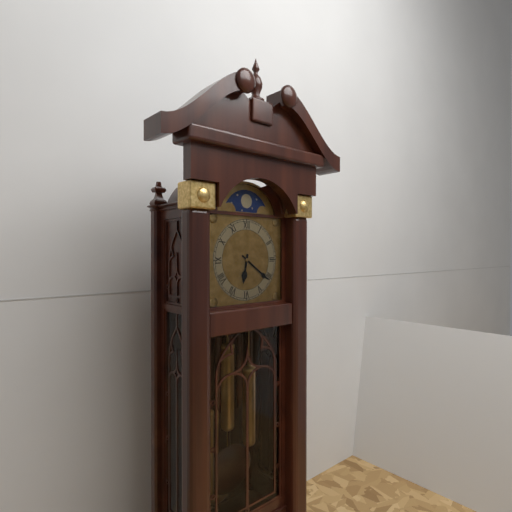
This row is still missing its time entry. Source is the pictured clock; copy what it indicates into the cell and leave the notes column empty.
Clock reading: 6:21
